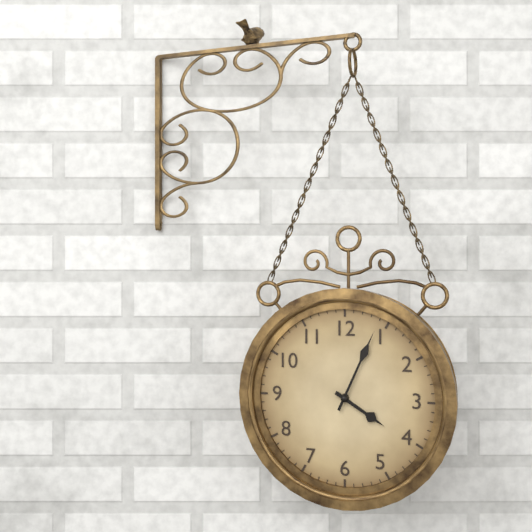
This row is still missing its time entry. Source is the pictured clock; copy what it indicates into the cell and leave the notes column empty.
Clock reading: 4:04
